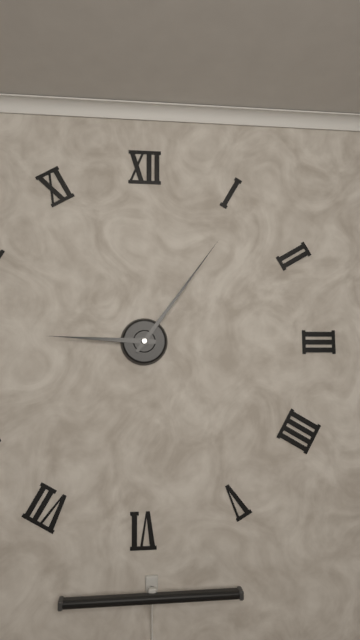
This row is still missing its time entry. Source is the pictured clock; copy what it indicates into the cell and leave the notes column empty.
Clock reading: 9:06
